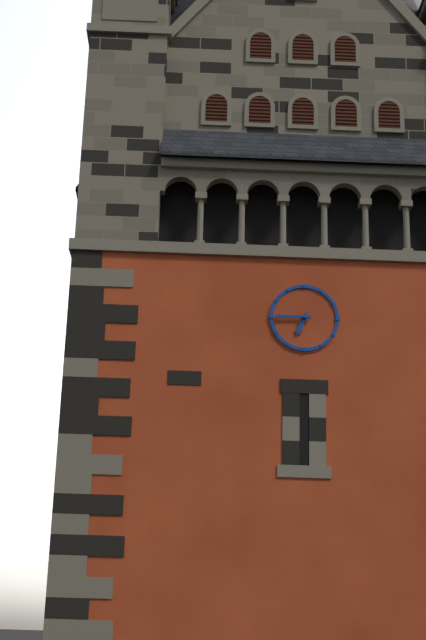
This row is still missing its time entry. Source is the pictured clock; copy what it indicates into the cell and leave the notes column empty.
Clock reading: 6:45
